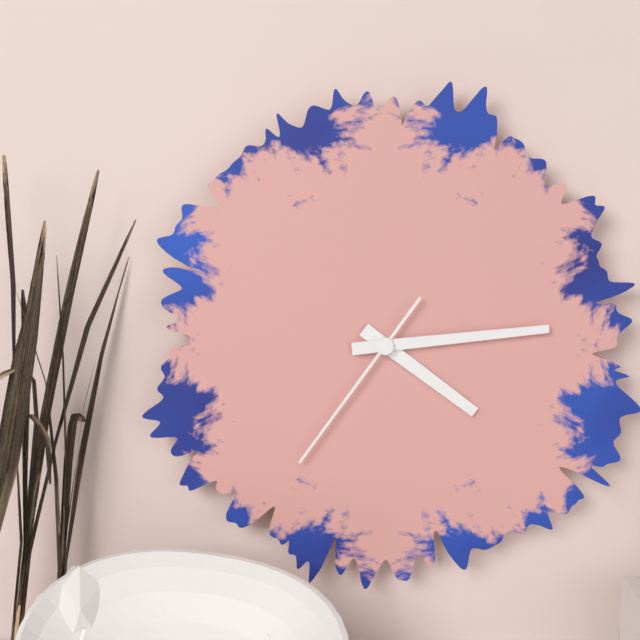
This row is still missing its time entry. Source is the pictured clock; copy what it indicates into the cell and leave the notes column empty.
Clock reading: 4:14:36
